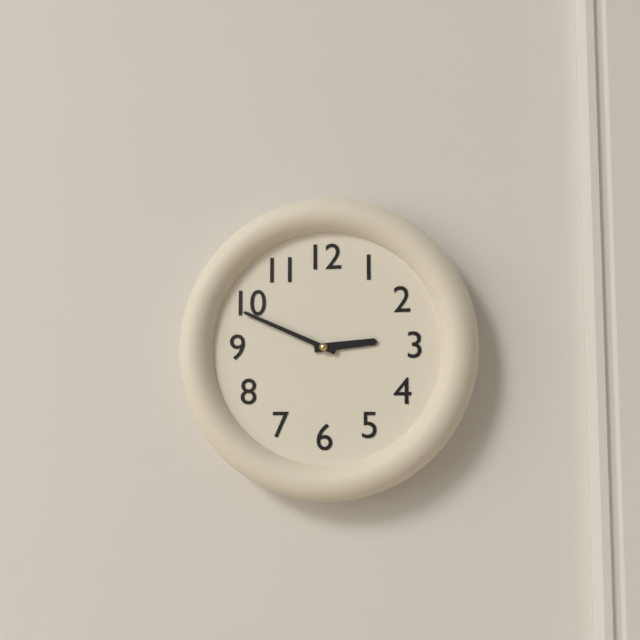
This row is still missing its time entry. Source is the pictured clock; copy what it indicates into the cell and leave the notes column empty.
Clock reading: 2:49
